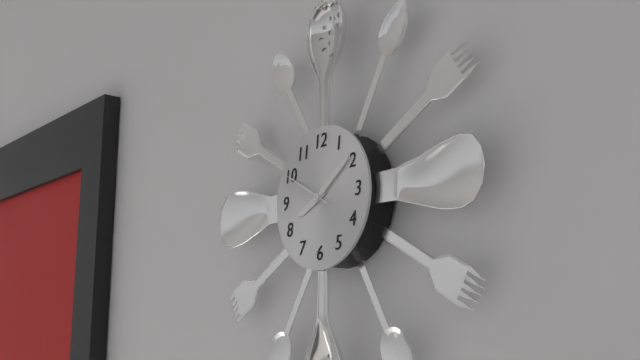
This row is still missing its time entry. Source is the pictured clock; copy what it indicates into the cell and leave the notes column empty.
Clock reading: 8:09:50
